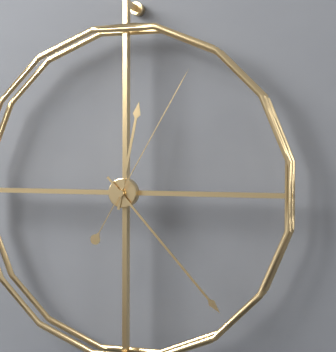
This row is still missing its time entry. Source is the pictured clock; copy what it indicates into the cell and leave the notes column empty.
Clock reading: 12:23:05
